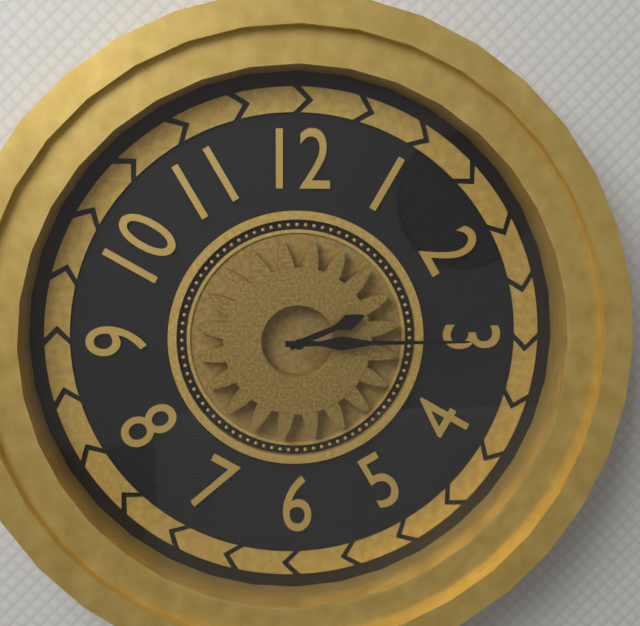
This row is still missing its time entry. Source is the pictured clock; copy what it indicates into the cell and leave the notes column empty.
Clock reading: 2:15
